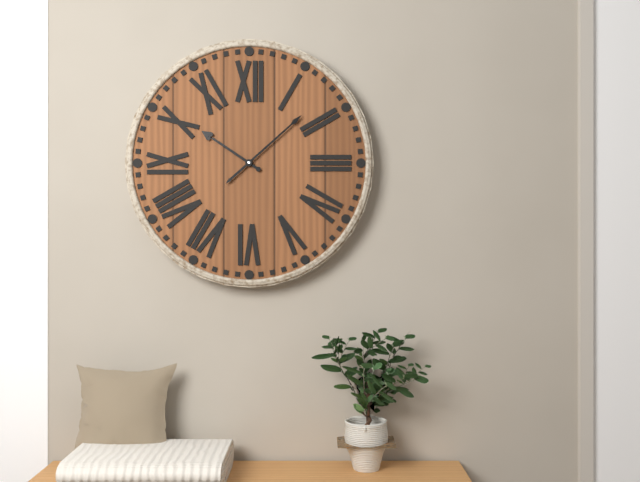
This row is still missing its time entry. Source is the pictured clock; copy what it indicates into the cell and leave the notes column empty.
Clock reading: 10:08
